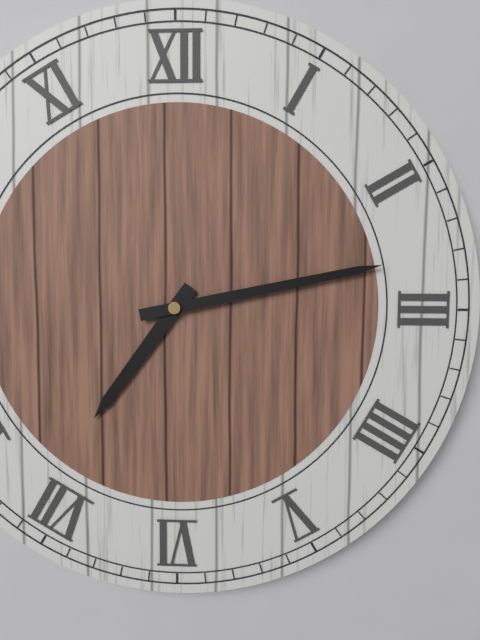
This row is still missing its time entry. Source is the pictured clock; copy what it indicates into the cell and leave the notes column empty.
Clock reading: 7:13
